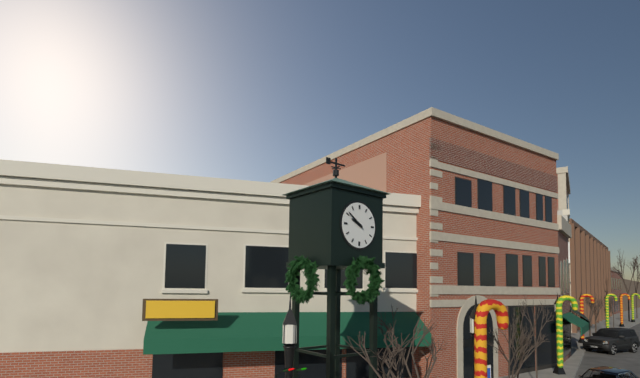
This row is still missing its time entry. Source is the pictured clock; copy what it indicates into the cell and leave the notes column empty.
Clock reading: 9:51
